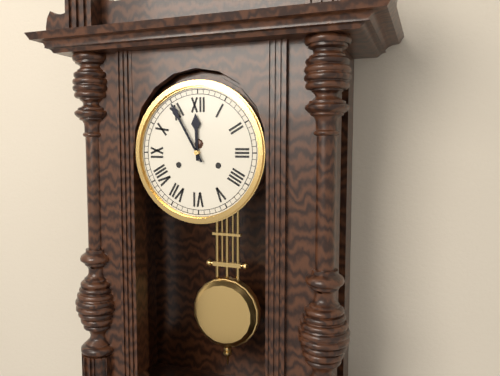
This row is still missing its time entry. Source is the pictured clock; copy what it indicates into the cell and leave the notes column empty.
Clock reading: 11:55
